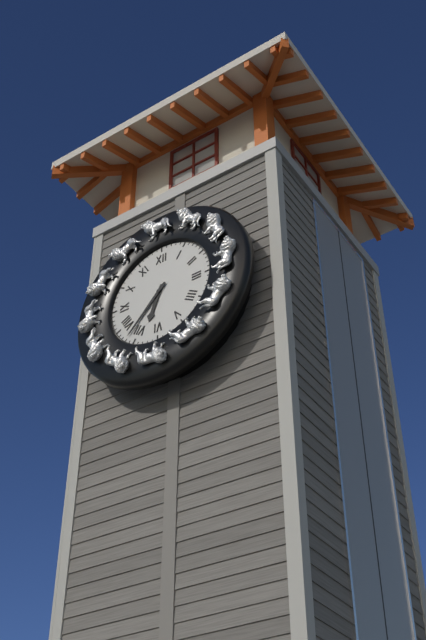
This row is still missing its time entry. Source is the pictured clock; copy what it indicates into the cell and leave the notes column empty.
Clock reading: 6:37
